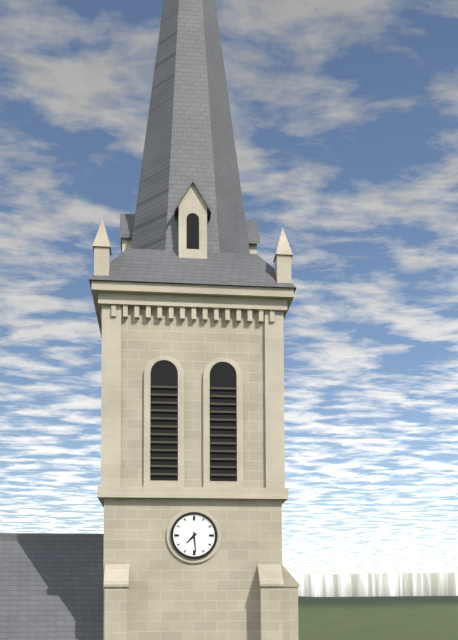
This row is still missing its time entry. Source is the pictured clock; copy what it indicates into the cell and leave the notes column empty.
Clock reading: 7:29
